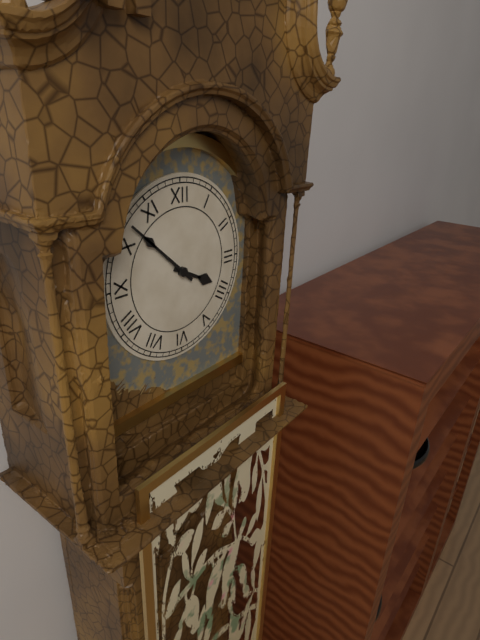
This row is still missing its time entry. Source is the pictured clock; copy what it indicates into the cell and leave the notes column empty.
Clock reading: 3:52
